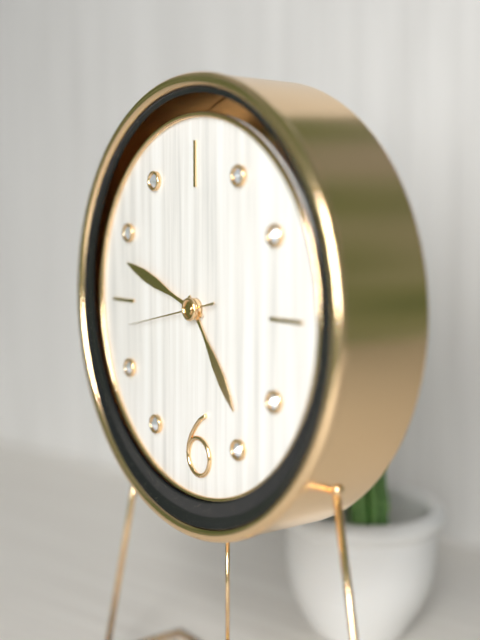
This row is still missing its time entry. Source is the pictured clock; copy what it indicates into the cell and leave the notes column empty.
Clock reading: 4:48:43
